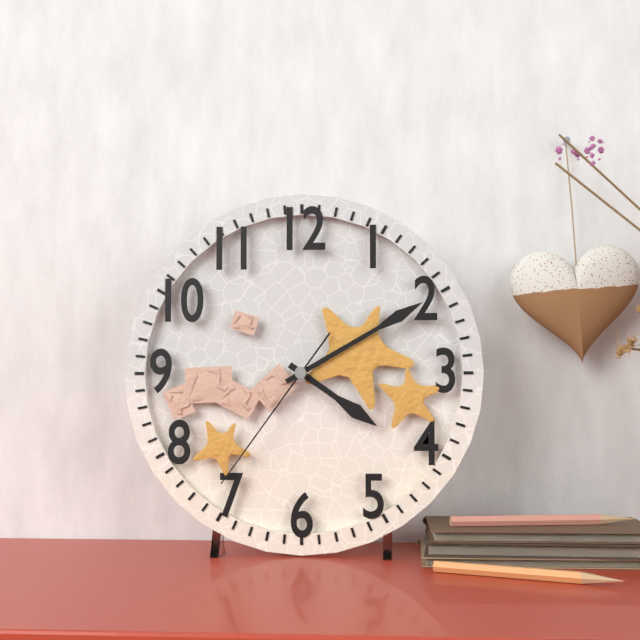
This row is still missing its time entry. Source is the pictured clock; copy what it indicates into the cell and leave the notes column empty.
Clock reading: 4:10:36
